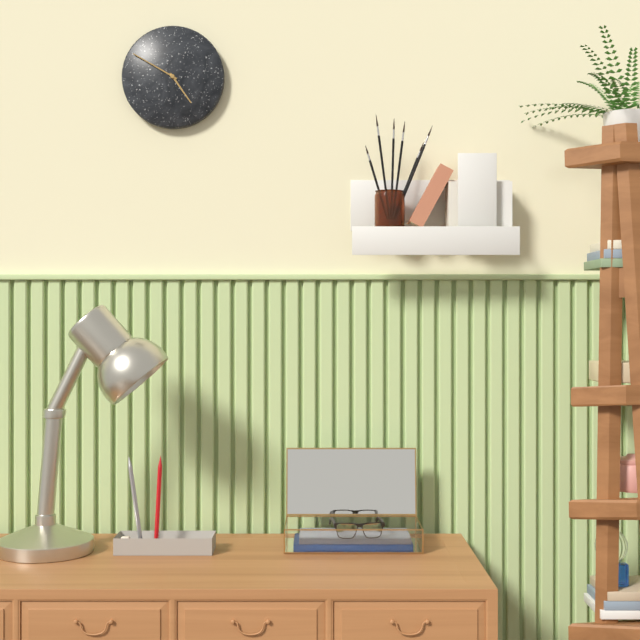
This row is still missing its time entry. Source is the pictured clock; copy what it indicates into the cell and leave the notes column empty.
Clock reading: 4:50
